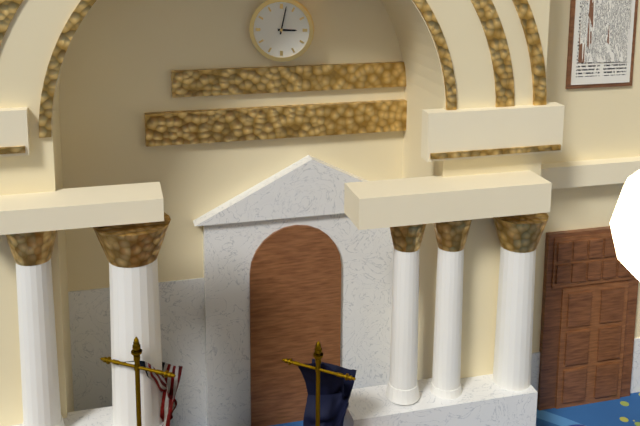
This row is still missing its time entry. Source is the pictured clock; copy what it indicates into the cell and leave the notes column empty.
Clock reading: 3:02
